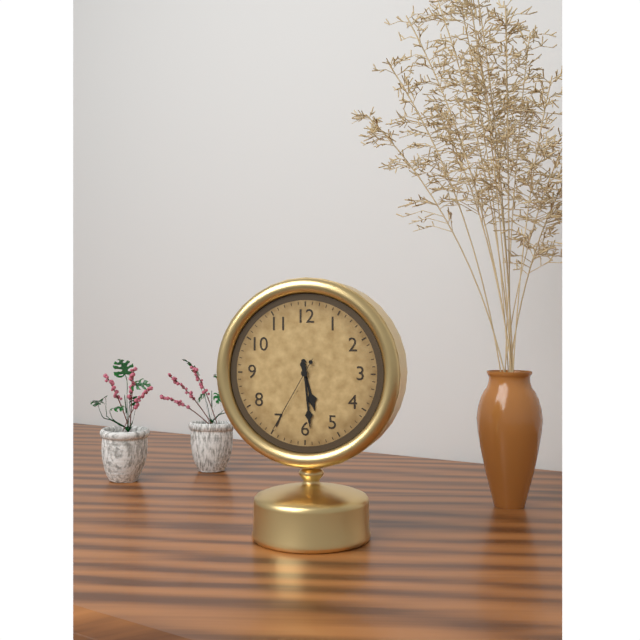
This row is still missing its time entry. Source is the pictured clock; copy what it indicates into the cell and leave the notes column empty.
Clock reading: 5:29:35
